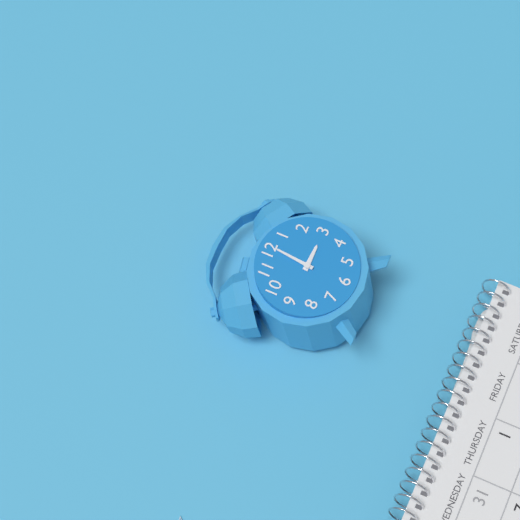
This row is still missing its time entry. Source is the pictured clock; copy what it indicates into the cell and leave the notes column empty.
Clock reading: 3:01
